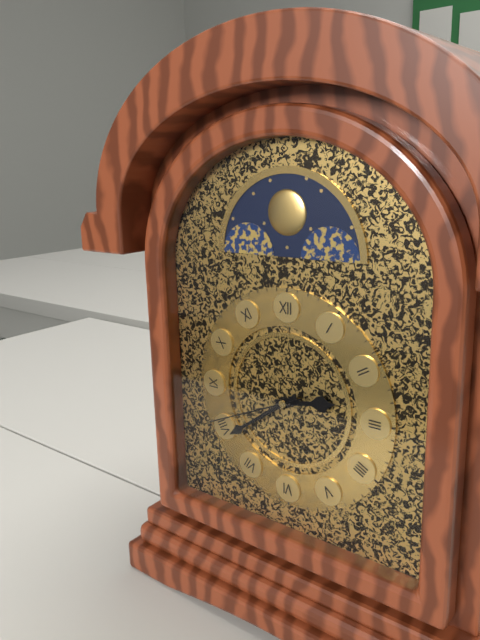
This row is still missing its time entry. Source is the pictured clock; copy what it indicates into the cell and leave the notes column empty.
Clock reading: 2:39:41
